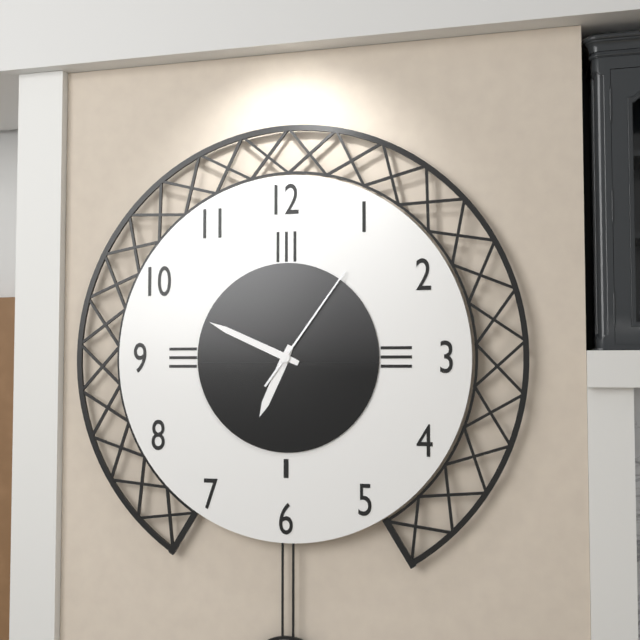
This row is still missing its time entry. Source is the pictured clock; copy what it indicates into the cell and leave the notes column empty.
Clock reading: 6:49:06
